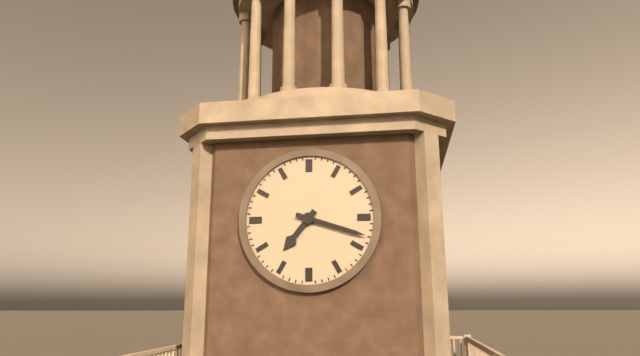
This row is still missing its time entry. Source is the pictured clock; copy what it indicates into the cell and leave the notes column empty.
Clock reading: 7:18
